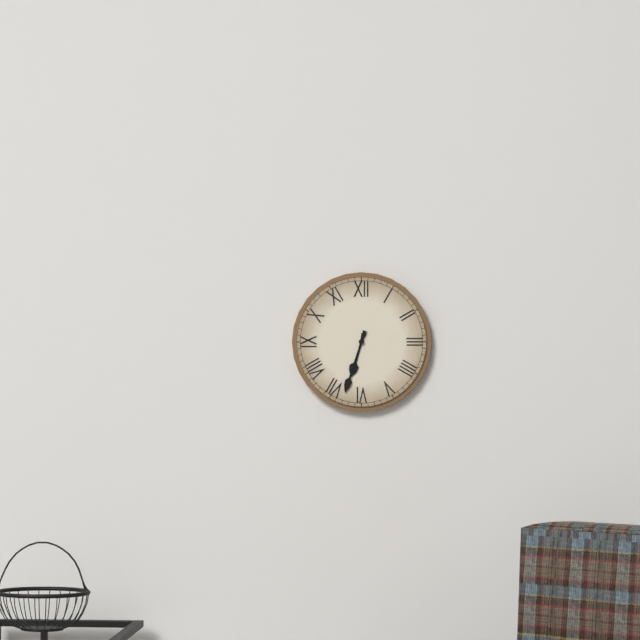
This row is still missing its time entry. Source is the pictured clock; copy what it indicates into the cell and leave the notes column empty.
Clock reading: 6:33
